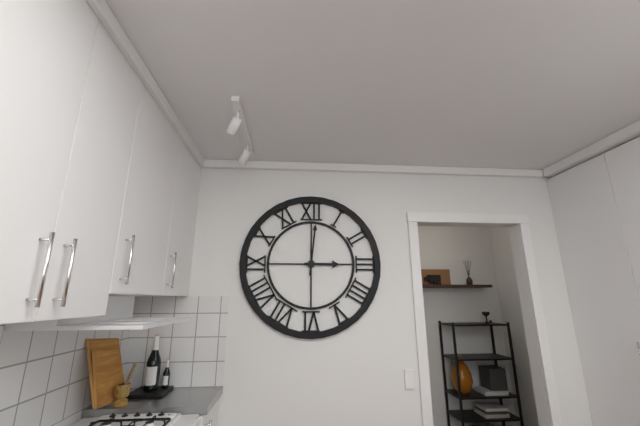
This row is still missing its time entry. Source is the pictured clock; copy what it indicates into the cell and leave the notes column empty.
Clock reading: 3:01
